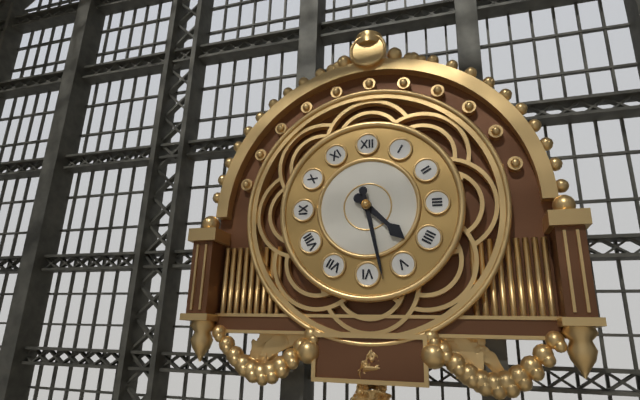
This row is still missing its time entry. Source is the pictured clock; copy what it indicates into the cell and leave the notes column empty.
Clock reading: 4:28
